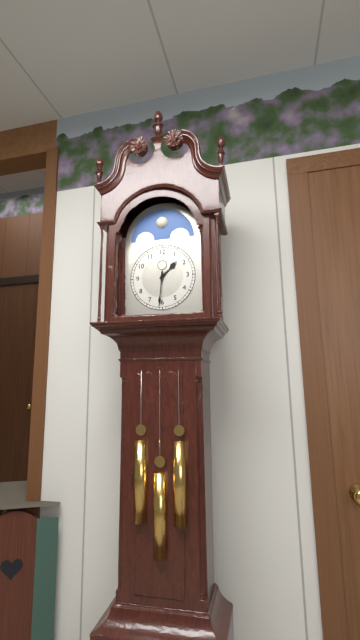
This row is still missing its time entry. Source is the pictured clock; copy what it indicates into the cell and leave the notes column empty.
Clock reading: 1:31
